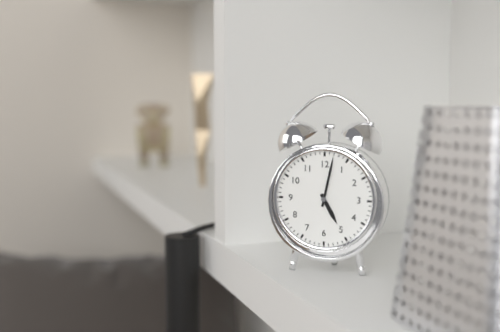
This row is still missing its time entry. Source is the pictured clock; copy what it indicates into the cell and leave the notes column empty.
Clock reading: 5:02
